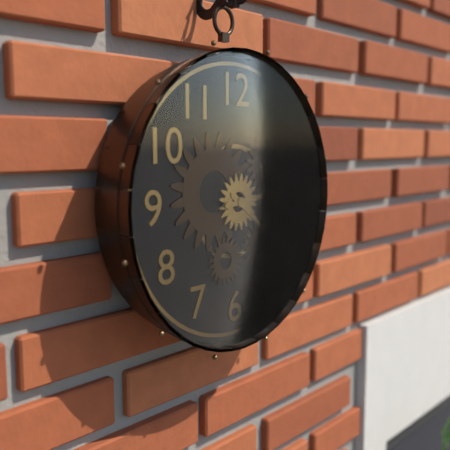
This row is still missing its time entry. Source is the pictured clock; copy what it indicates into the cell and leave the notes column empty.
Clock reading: 4:14
